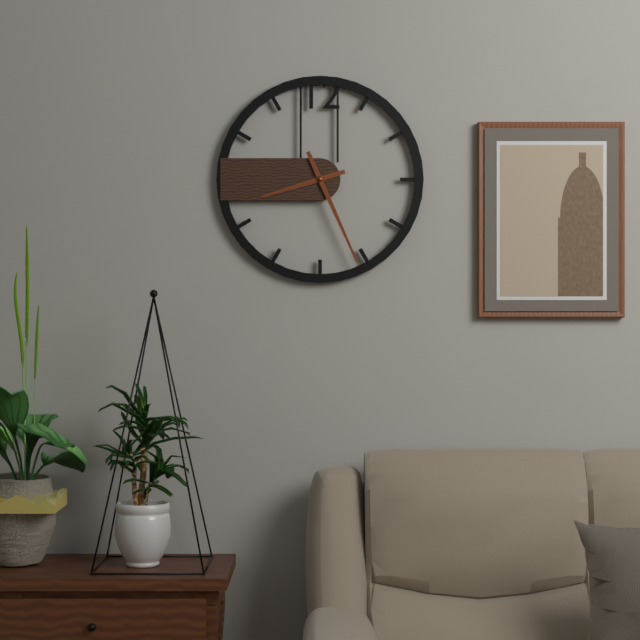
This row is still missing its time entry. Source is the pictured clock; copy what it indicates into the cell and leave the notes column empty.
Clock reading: 8:26
